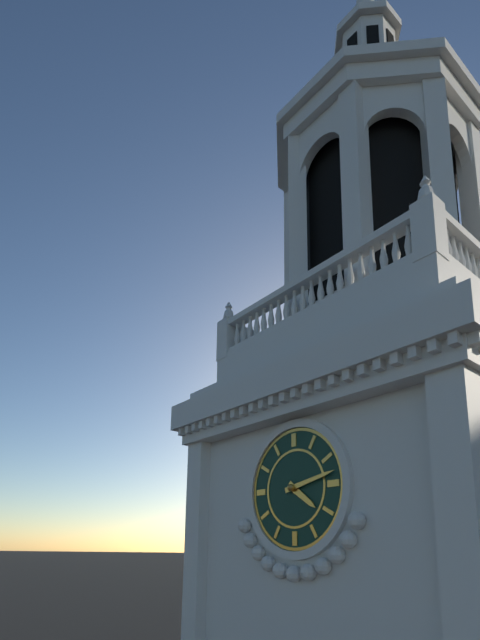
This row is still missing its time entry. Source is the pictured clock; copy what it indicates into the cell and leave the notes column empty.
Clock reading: 4:13
